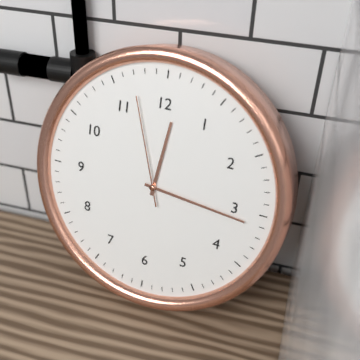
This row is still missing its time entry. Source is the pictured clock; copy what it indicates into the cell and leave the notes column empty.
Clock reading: 12:16:57
